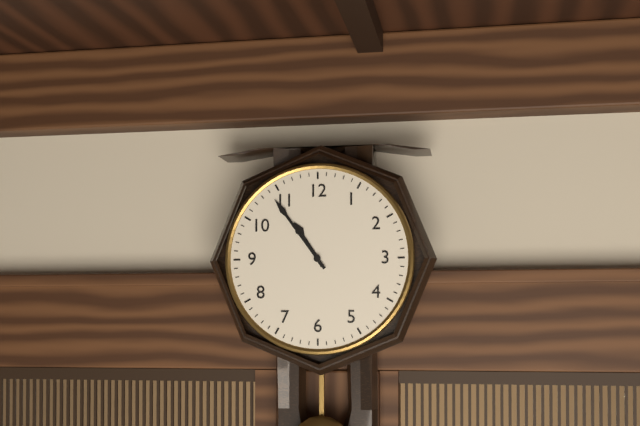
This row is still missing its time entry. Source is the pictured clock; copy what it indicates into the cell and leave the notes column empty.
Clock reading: 10:54
